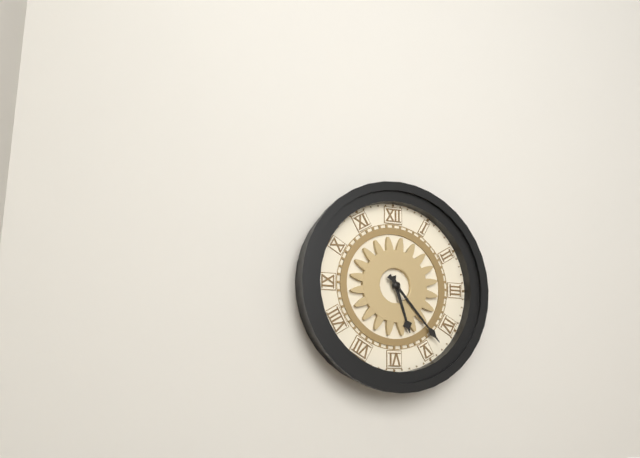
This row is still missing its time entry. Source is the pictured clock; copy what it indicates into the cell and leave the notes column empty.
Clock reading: 5:23
